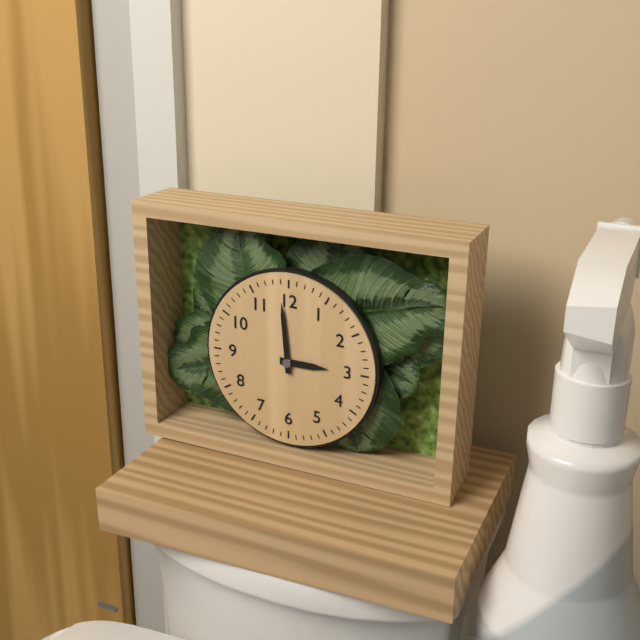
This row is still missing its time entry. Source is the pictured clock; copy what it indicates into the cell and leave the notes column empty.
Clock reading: 2:59
